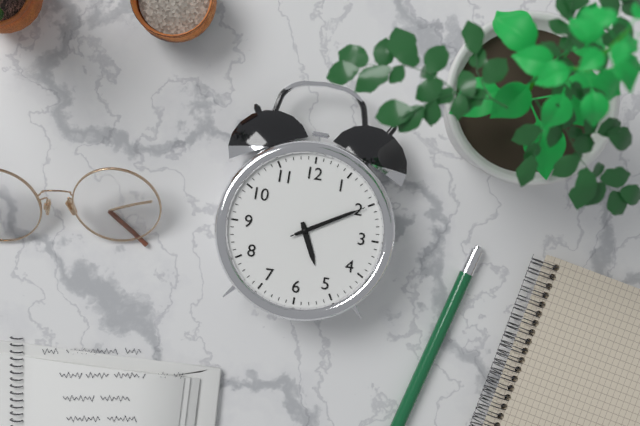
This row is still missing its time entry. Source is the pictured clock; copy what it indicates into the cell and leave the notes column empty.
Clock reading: 5:10:10
